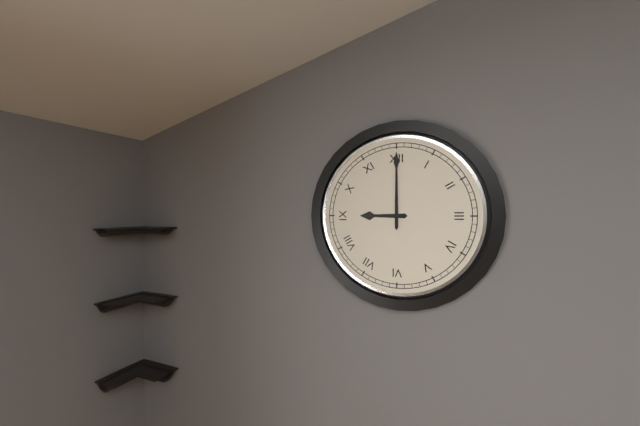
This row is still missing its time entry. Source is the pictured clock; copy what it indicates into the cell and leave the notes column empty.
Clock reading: 9:00
